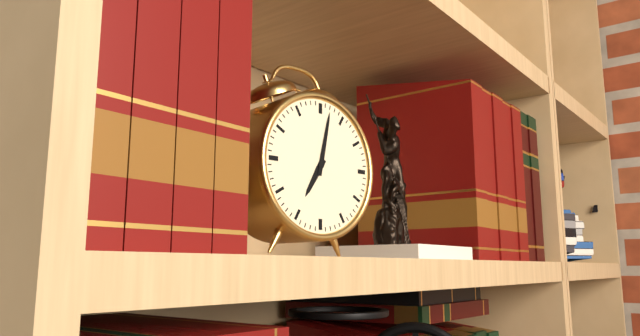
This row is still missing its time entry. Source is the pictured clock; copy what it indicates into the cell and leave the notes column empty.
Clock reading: 7:02
